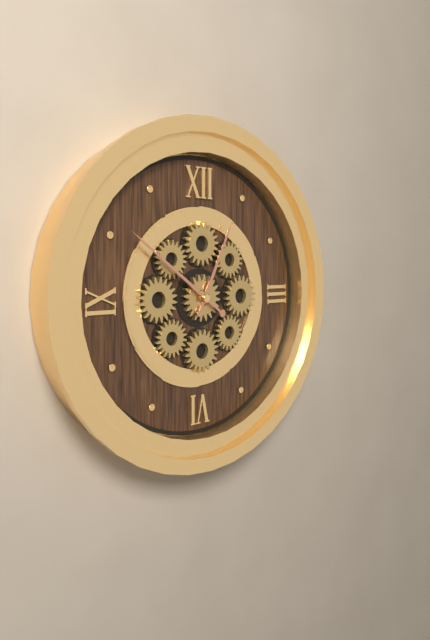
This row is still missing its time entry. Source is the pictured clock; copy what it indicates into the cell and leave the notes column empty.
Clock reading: 12:51
